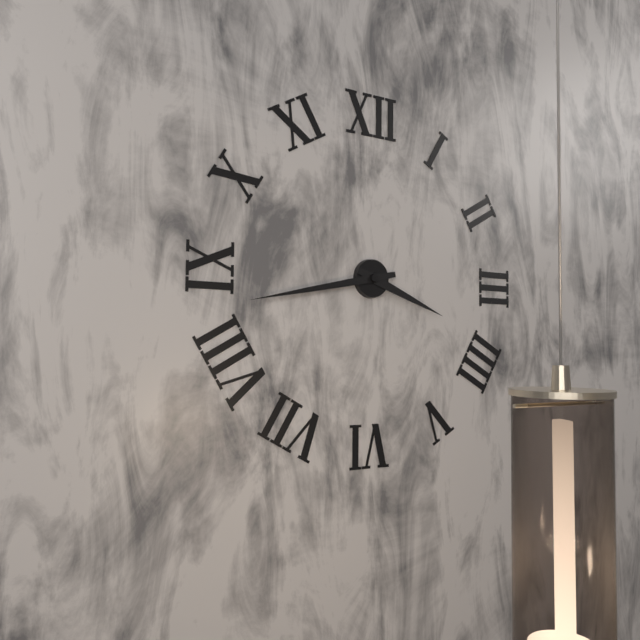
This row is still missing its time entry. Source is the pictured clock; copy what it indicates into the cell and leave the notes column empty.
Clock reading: 3:43
